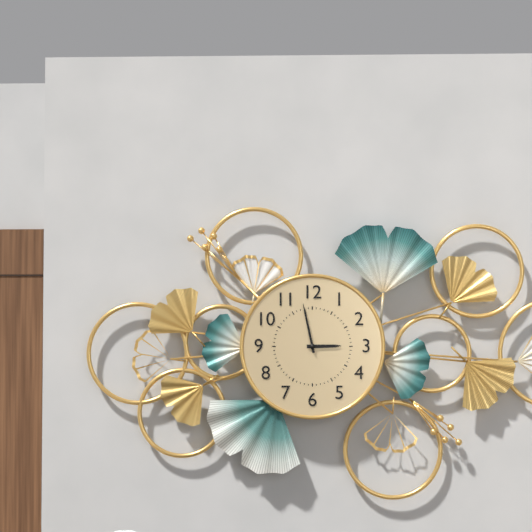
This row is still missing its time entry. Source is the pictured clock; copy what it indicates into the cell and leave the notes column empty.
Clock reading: 2:58
